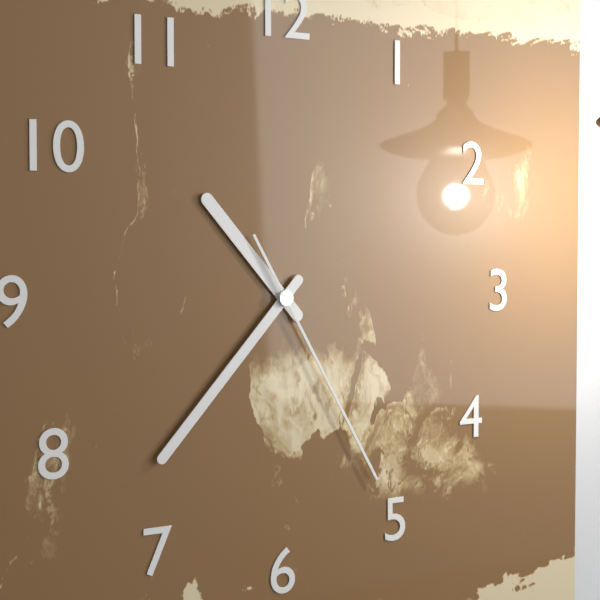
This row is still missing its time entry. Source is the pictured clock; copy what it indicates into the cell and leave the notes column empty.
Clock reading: 10:37:25
